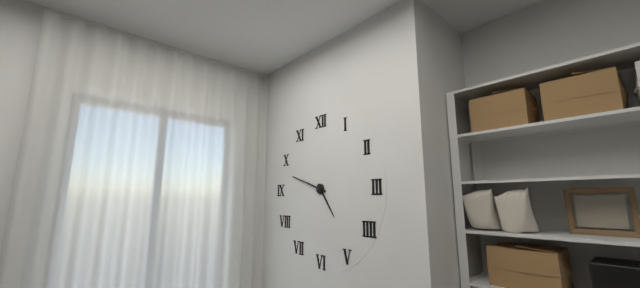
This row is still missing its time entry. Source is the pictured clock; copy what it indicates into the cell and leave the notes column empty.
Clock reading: 4:48
